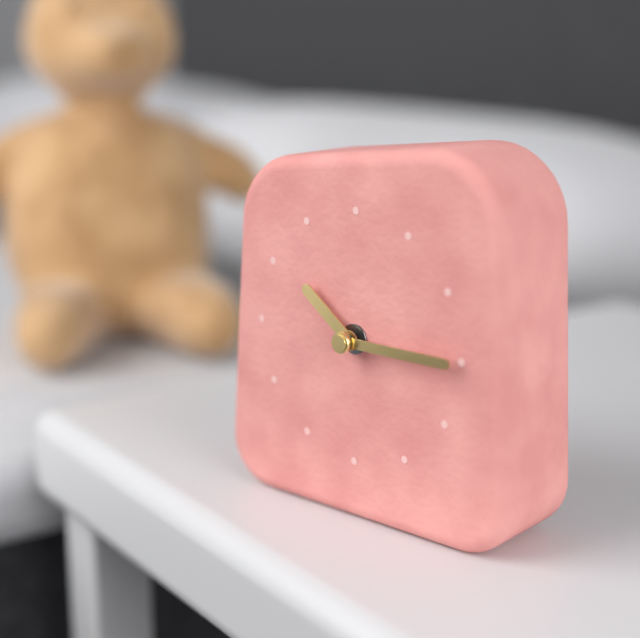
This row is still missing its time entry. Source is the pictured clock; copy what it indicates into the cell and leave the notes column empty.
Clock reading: 10:15
